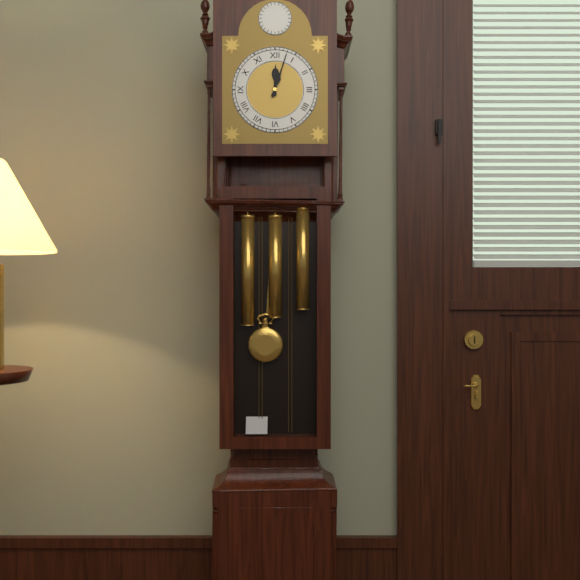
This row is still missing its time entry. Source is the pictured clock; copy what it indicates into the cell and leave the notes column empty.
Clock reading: 12:03
